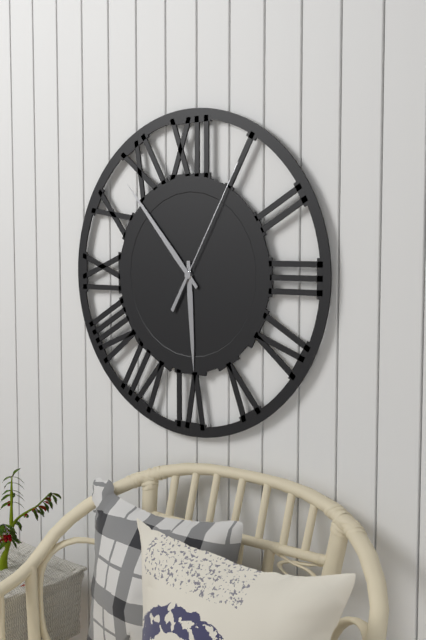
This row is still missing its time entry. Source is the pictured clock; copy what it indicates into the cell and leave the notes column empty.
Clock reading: 5:53:05
